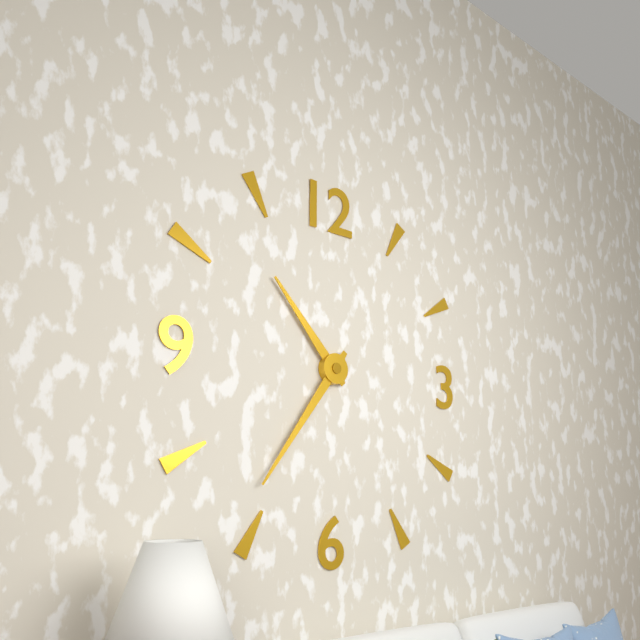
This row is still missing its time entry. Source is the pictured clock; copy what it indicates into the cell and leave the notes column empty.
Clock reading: 10:36
